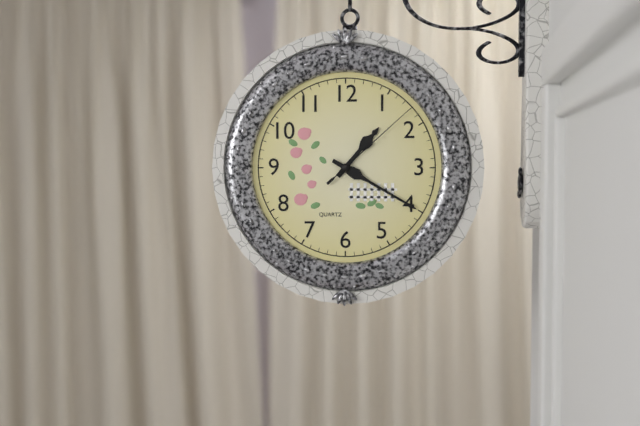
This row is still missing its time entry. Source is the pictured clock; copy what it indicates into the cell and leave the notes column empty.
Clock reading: 1:20:08
